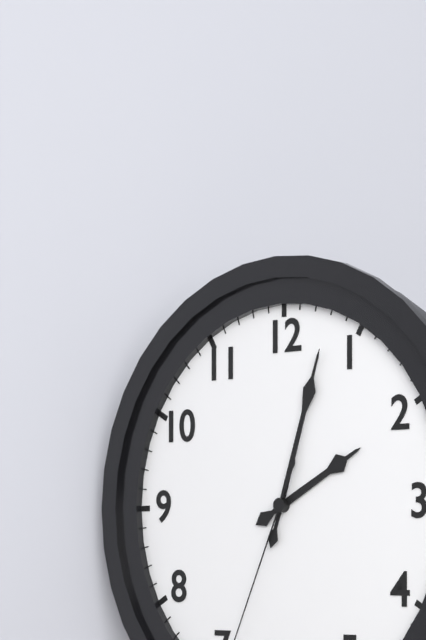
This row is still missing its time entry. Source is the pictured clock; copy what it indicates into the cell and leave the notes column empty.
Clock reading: 2:03
